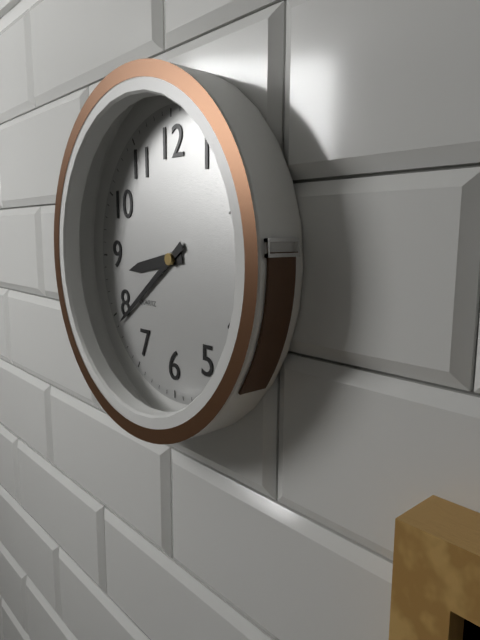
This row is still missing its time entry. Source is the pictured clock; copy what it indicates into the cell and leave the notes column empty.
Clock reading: 8:39
